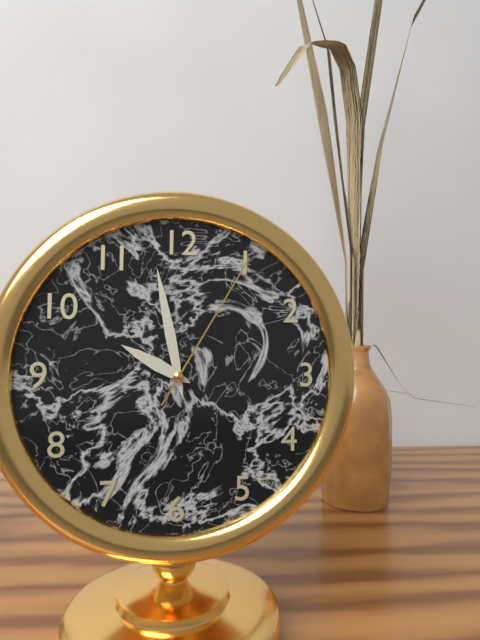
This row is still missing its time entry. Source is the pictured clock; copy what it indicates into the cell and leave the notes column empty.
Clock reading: 9:58:05
